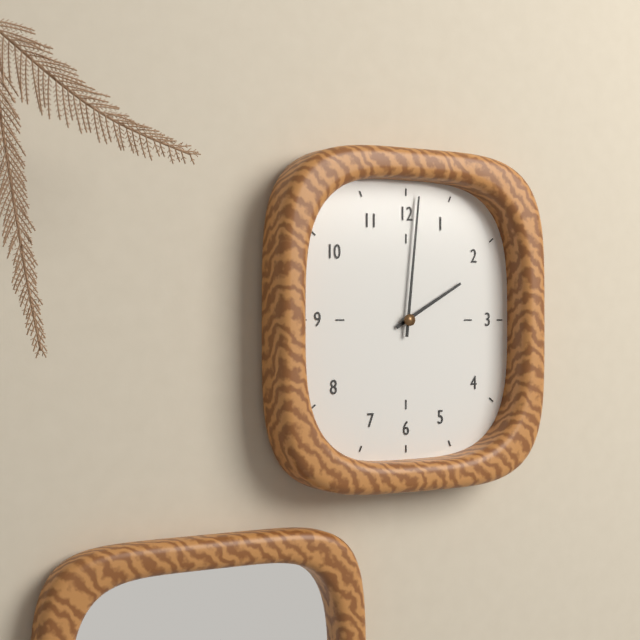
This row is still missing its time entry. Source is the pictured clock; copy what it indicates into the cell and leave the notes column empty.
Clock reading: 2:01
